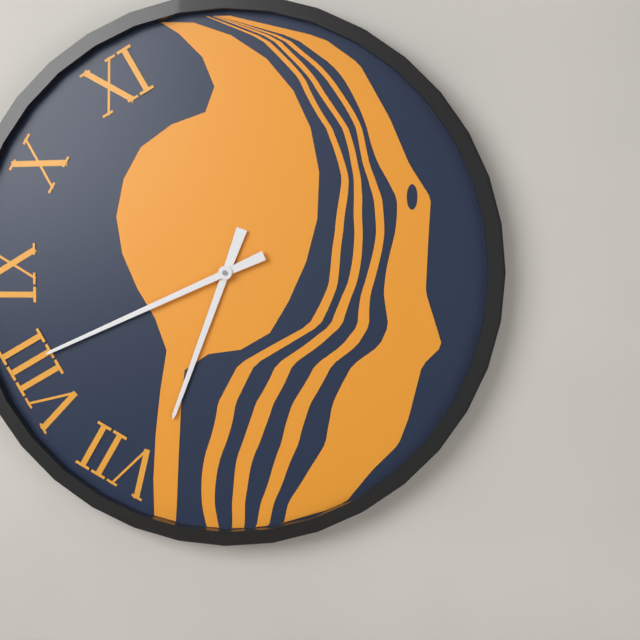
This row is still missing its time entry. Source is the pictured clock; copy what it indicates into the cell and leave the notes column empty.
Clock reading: 6:41
